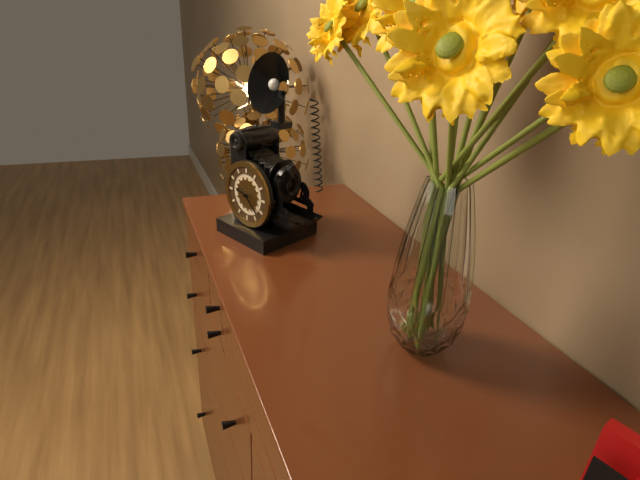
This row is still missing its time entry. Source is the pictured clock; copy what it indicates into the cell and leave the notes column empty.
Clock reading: 9:22
